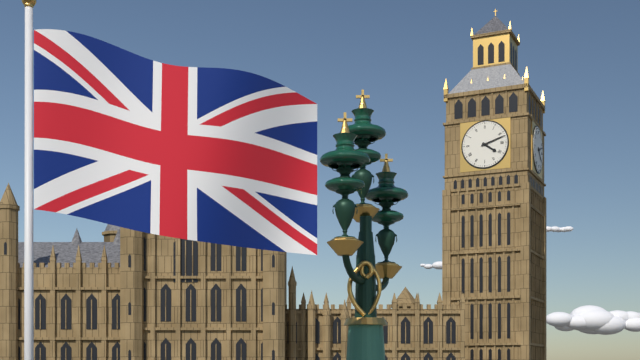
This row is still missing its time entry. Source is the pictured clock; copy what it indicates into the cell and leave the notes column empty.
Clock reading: 4:12
